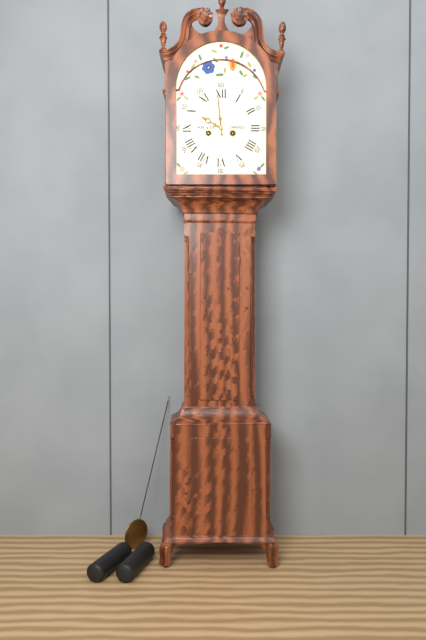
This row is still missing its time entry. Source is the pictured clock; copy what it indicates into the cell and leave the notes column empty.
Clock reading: 9:59
